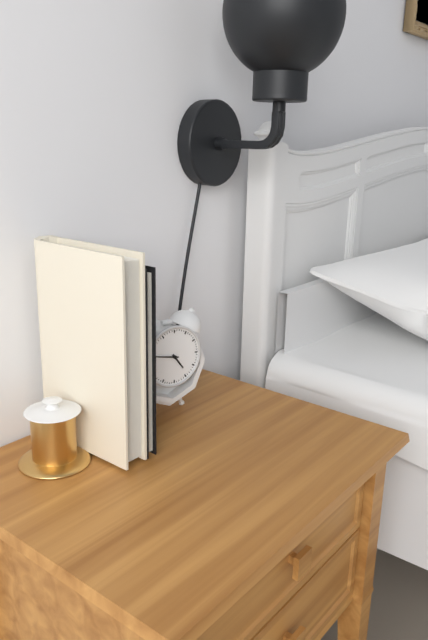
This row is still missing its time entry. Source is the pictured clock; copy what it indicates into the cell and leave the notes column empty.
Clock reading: 4:47
